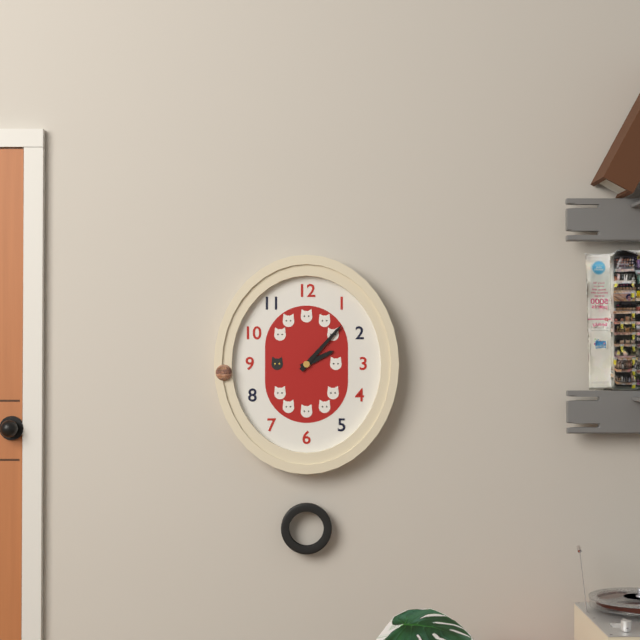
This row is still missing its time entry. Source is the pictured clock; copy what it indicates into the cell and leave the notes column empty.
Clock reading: 2:07
